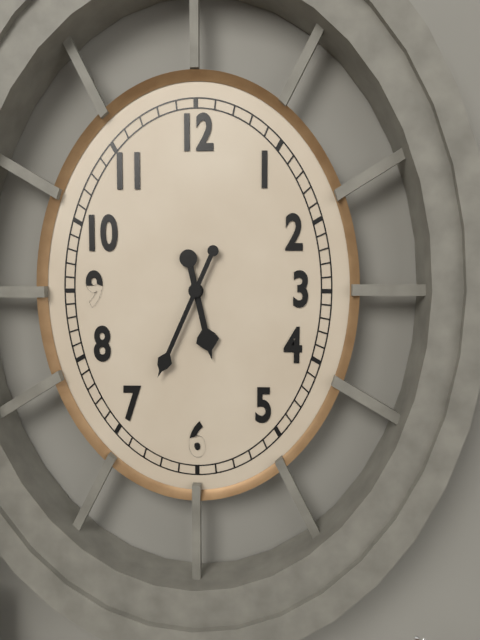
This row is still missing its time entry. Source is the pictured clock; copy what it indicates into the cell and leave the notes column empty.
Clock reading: 5:34
